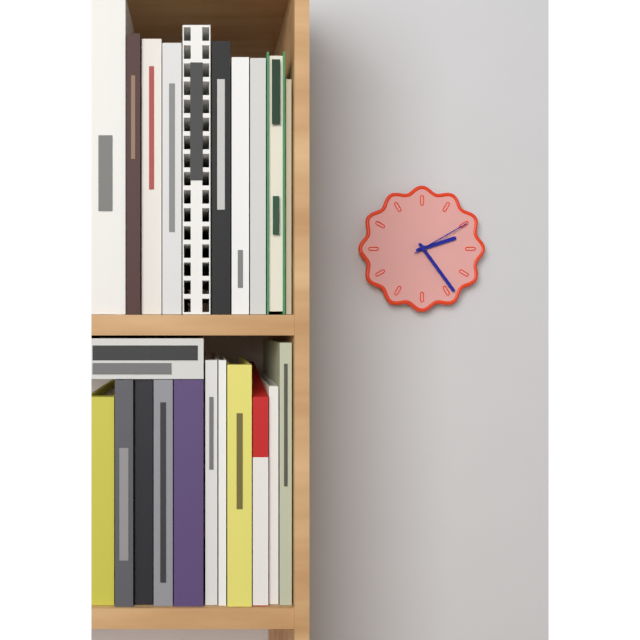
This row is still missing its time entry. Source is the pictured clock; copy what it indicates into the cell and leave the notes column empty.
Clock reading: 2:24:10
